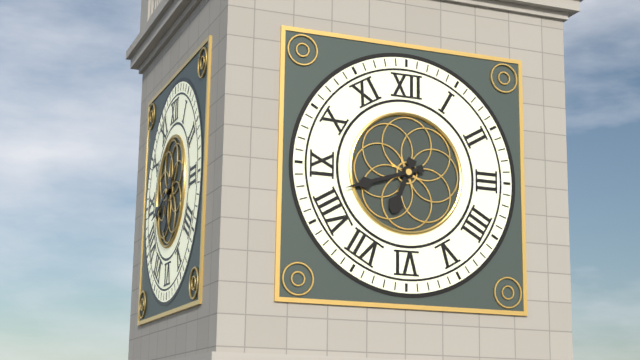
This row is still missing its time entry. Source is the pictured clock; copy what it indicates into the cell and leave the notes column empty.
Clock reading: 6:42
